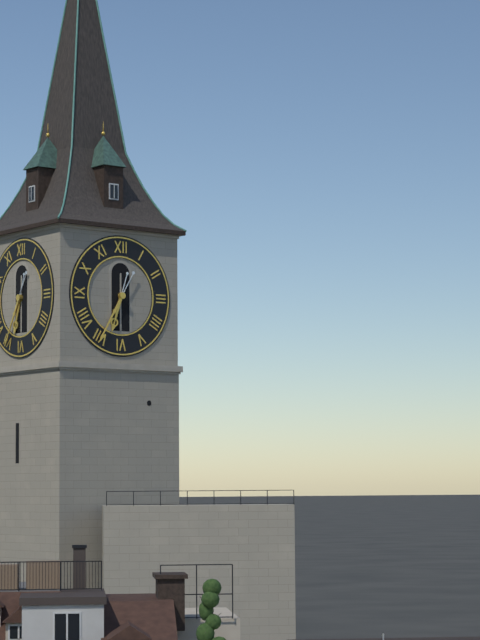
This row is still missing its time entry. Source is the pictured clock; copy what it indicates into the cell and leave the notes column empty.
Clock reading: 6:35
